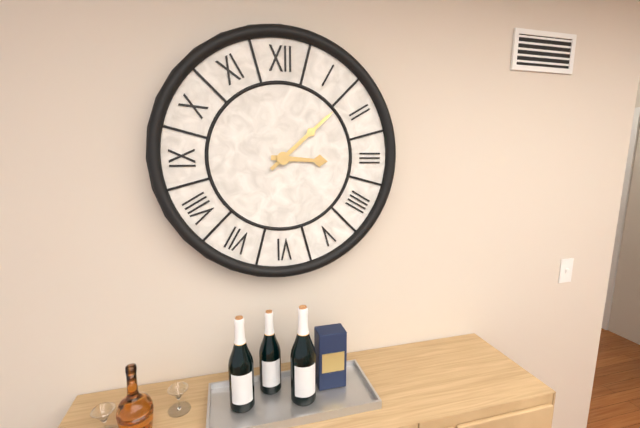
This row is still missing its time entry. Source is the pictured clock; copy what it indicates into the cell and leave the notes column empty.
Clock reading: 3:08
